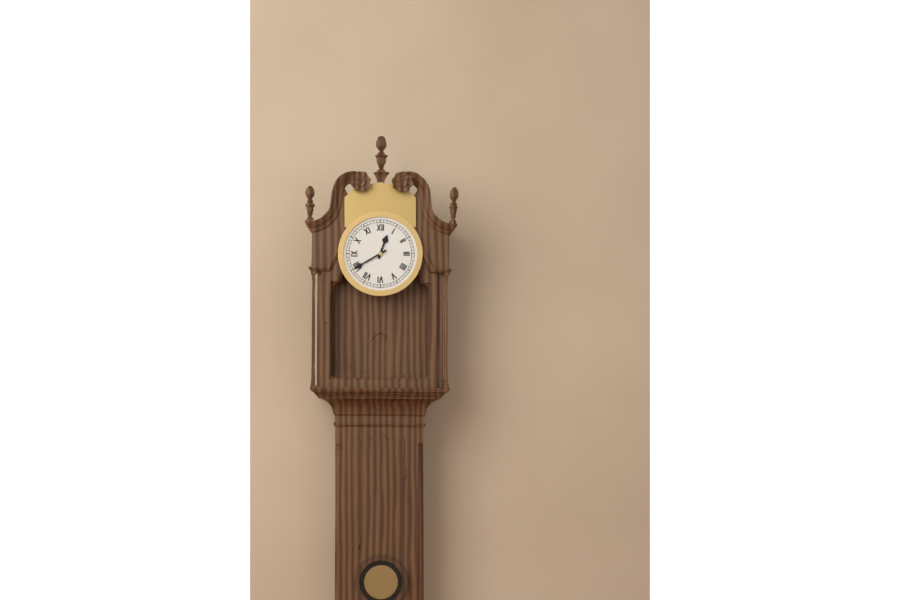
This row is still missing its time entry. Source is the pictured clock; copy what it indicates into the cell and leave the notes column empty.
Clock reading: 12:40
